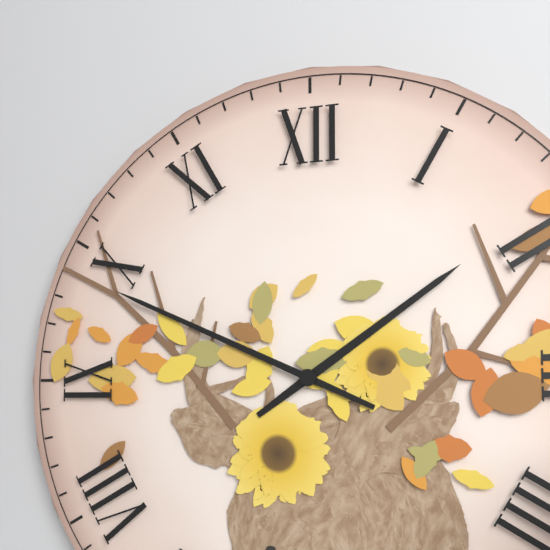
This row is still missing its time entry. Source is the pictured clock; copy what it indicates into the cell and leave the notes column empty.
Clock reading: 1:49
